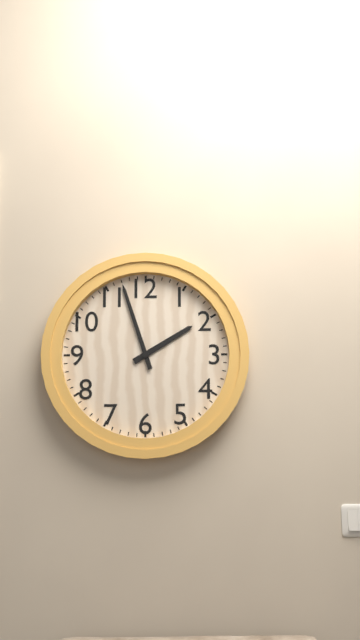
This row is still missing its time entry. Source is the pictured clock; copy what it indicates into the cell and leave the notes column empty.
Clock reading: 1:57
